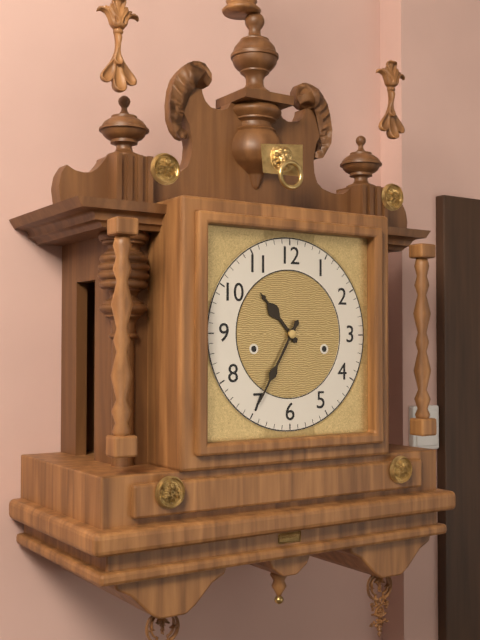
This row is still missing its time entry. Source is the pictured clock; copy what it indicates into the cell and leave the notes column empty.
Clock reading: 10:35
